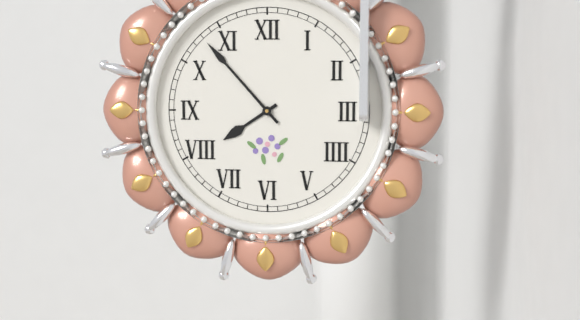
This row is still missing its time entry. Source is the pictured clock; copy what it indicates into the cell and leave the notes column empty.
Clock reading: 7:53
